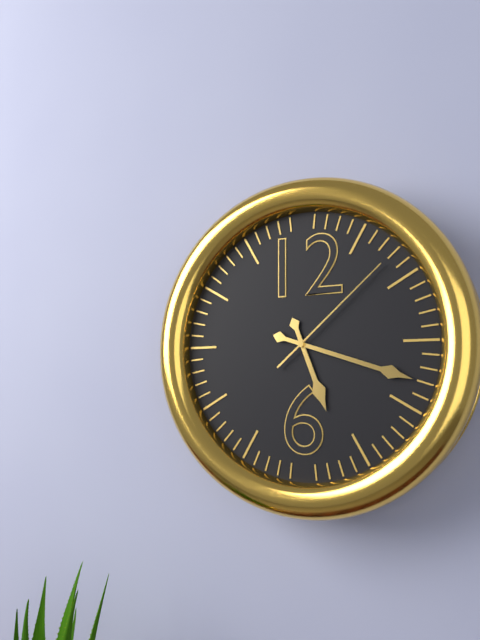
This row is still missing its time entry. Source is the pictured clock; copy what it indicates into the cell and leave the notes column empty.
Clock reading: 5:18:08
